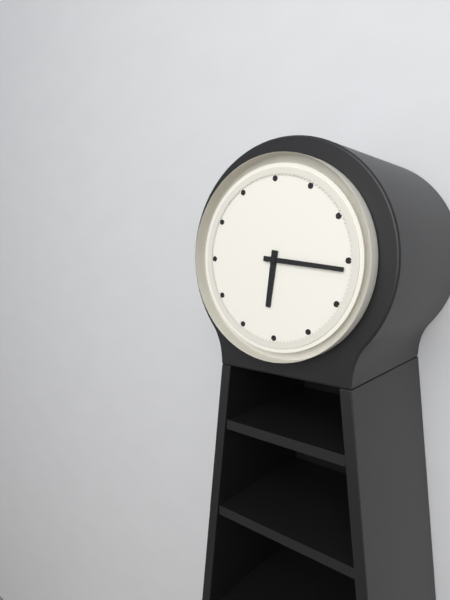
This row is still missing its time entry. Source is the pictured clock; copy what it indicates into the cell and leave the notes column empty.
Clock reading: 6:16
